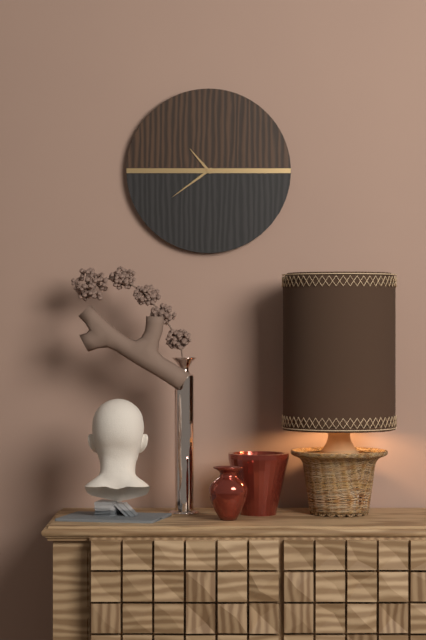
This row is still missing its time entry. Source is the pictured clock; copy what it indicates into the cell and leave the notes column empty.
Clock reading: 10:39
